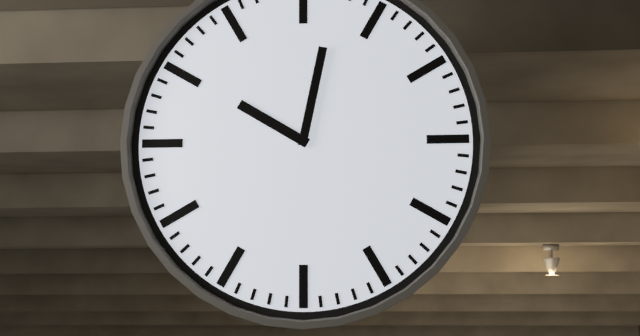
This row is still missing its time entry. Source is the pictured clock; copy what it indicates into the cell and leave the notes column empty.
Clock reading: 10:02
